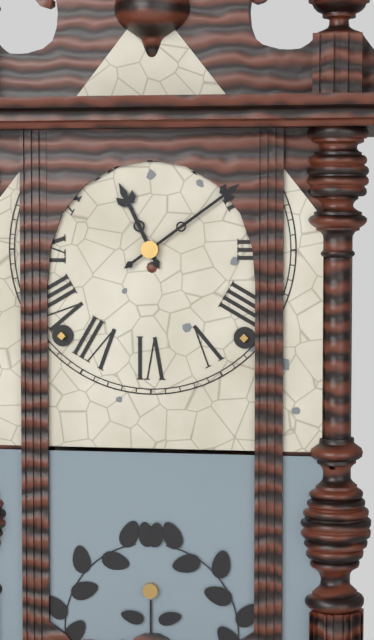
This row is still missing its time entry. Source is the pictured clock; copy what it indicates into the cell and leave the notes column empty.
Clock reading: 11:09
